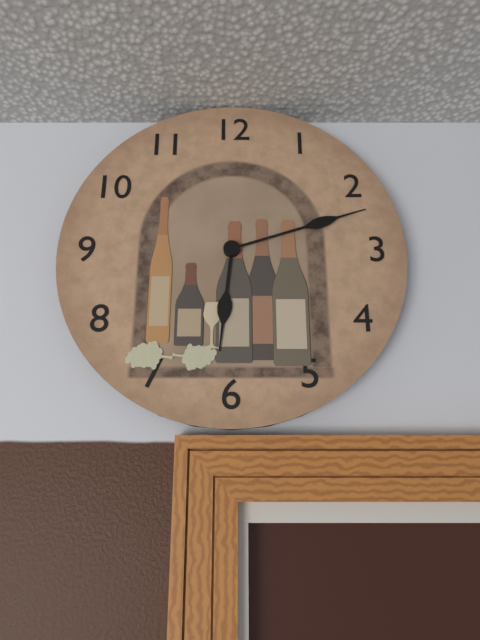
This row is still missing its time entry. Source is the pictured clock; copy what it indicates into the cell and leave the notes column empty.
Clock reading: 6:12
